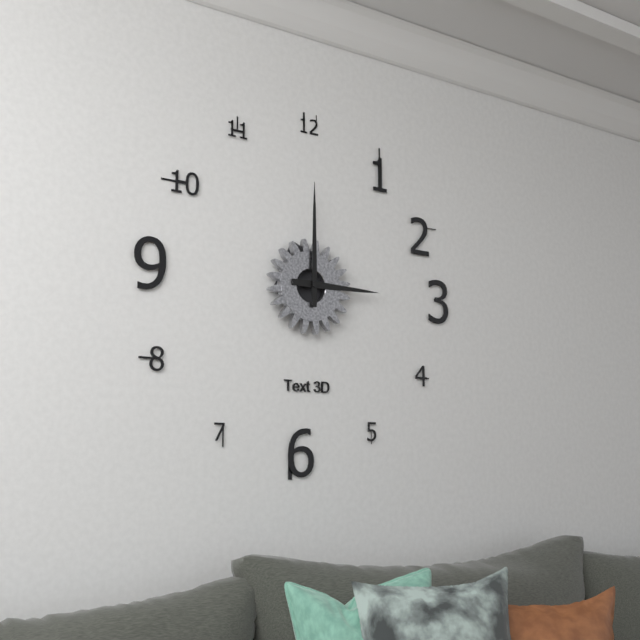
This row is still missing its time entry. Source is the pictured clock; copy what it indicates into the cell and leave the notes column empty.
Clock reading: 3:00
